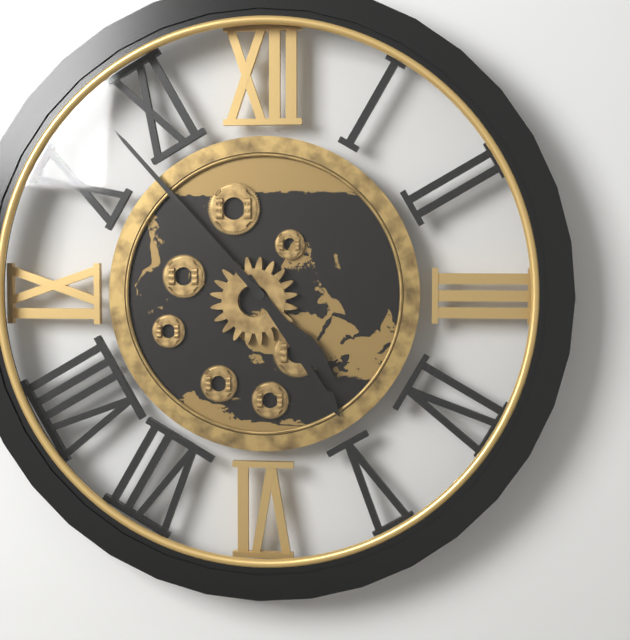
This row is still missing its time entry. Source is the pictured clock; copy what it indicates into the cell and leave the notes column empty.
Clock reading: 4:53
